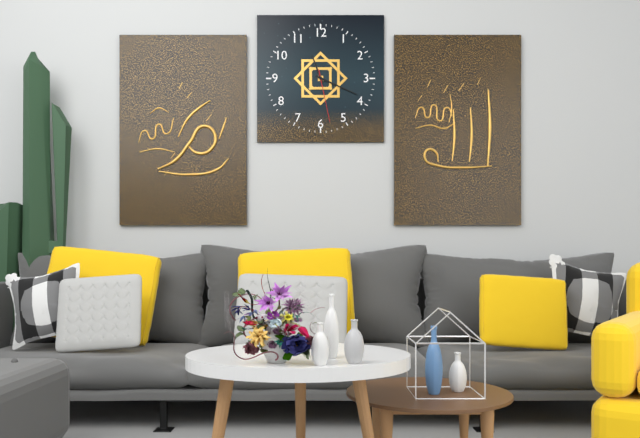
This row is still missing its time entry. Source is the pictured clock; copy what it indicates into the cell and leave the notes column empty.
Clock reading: 11:19:28
